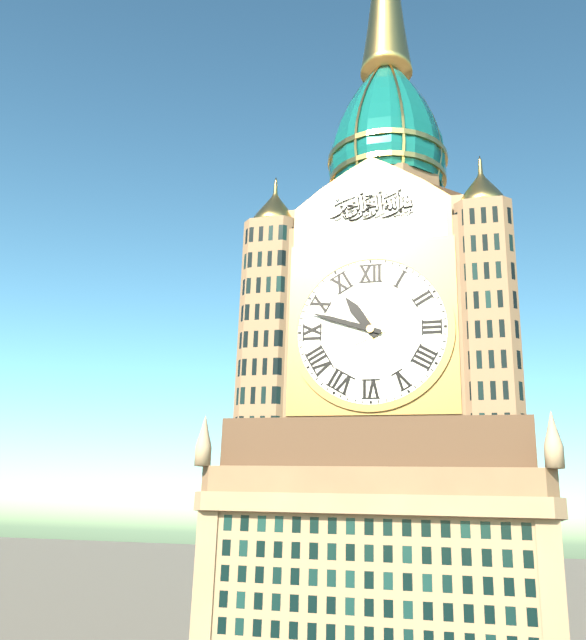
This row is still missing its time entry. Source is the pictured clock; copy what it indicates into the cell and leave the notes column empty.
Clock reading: 10:48
